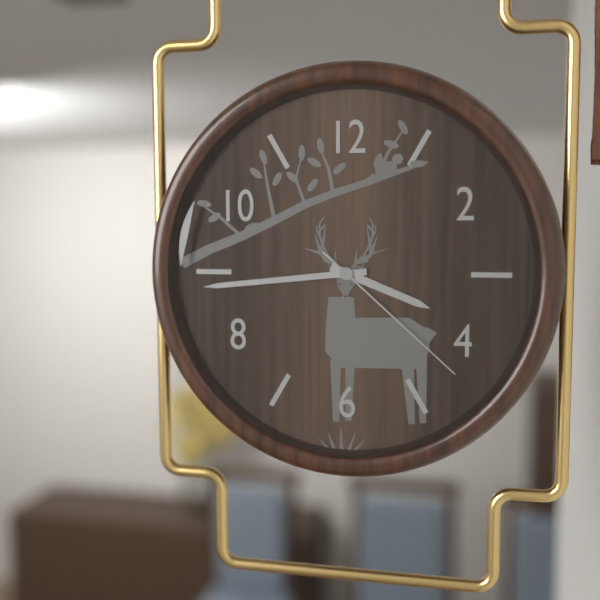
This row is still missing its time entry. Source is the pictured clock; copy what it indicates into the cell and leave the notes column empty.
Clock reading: 3:44:22
